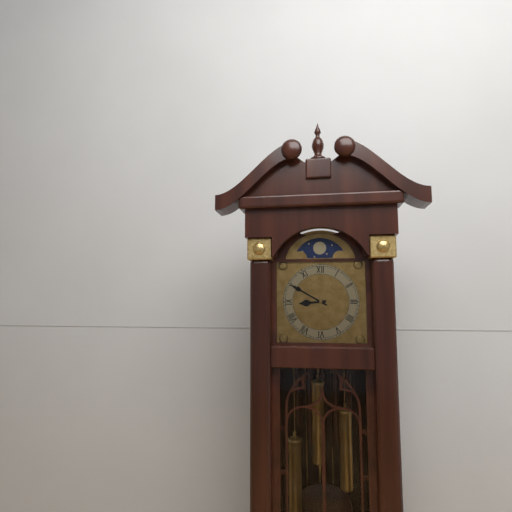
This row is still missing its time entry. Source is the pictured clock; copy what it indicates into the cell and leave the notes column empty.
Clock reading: 8:50
